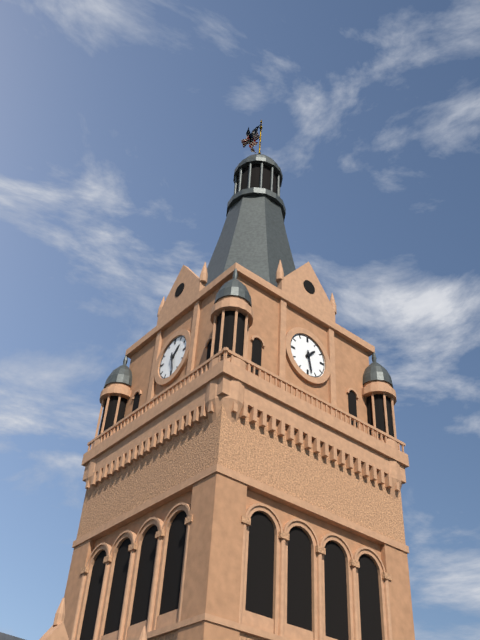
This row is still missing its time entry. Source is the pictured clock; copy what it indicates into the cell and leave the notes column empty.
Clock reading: 1:28
